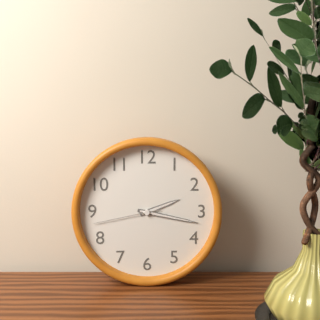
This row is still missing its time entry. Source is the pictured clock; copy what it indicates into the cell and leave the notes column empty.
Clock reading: 2:17:43
